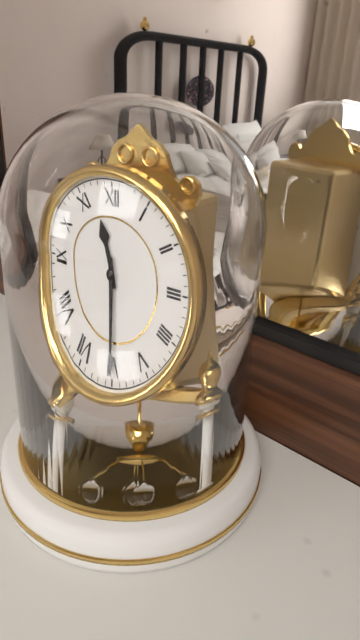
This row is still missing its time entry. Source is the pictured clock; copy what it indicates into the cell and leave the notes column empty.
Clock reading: 11:30
